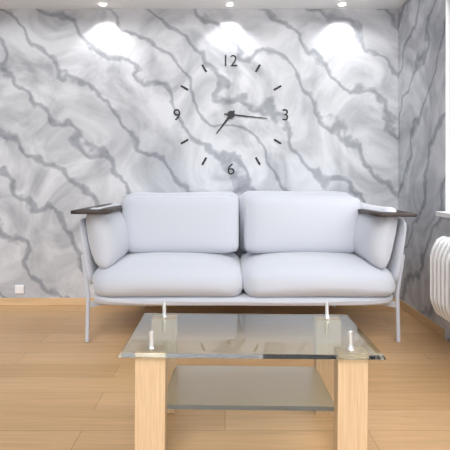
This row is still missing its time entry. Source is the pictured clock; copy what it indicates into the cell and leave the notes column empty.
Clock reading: 7:16
